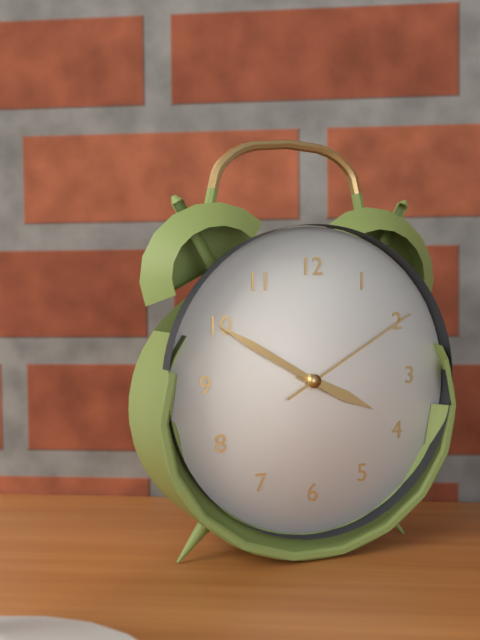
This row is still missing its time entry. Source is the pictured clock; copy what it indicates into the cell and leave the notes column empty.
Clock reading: 3:50:10
